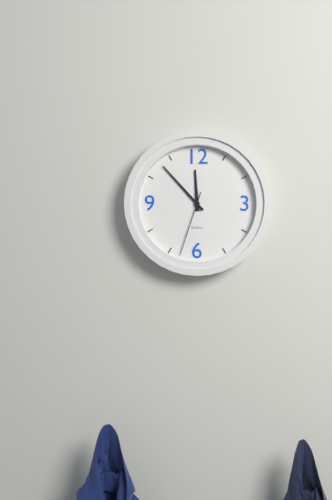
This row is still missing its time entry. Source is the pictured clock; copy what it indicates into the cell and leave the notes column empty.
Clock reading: 11:53:33
